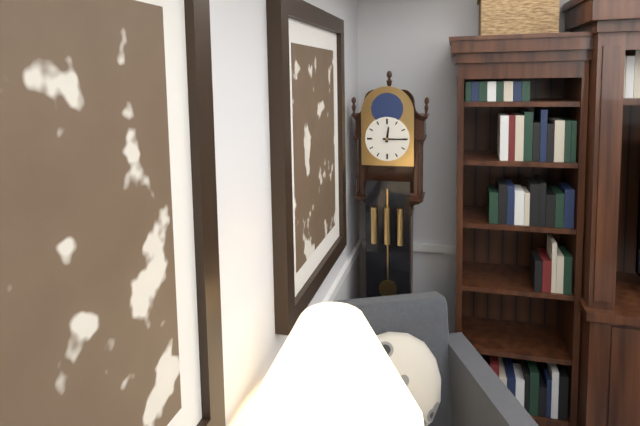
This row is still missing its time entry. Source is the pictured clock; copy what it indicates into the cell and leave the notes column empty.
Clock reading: 12:15
